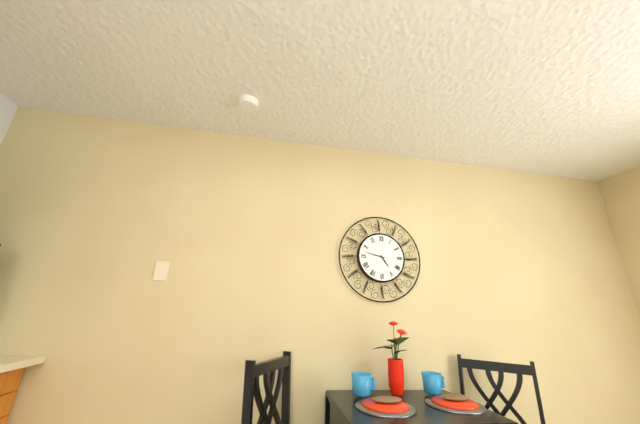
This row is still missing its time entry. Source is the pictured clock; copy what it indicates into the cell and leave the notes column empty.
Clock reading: 4:47
